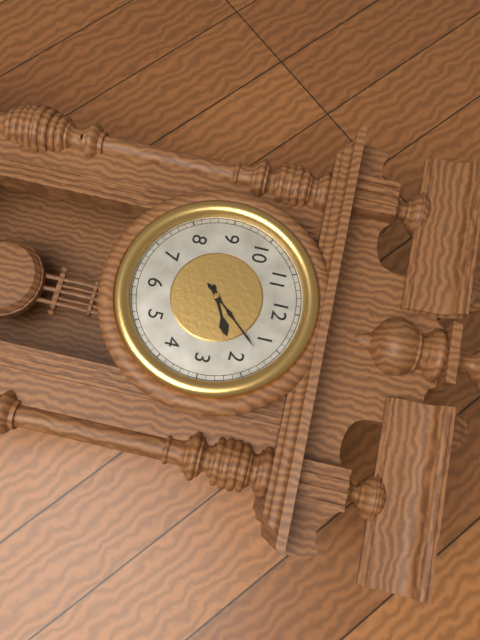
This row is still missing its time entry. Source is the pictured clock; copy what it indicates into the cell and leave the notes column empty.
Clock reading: 2:07
